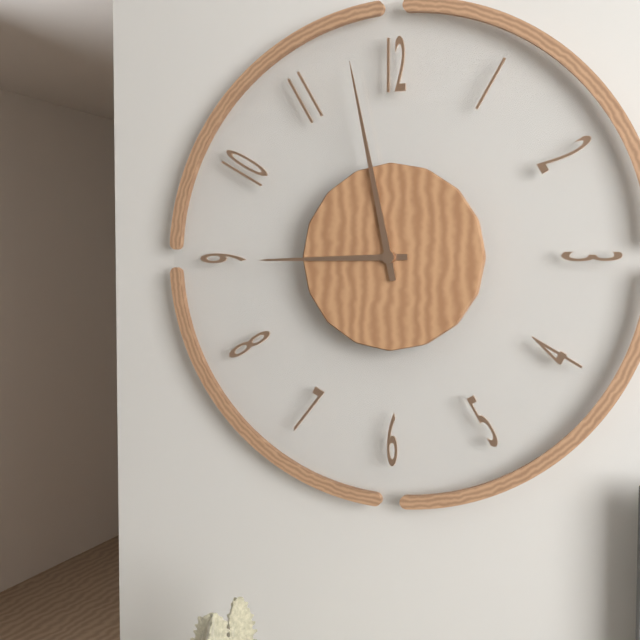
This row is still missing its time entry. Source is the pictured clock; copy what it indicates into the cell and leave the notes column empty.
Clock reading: 8:58
